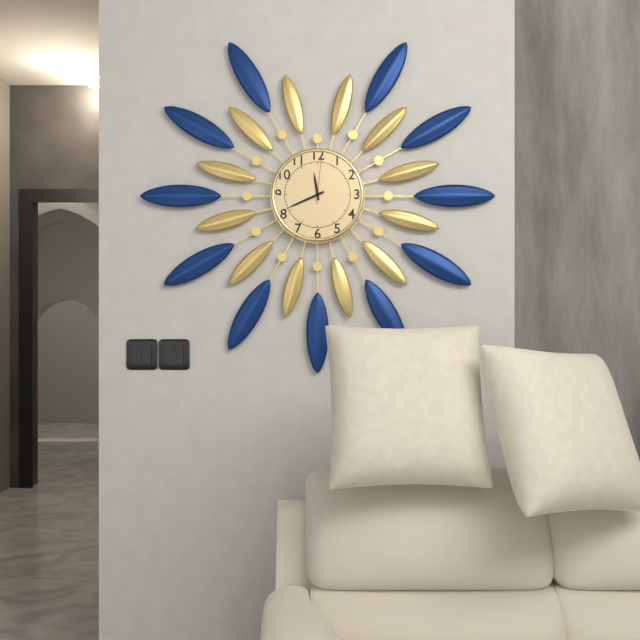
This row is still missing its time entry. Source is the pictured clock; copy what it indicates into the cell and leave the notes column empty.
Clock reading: 11:41
